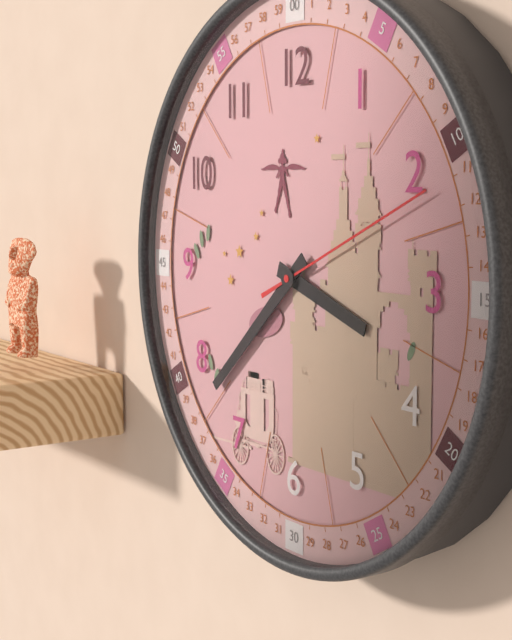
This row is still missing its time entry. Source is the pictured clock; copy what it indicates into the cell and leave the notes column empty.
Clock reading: 3:38:11
